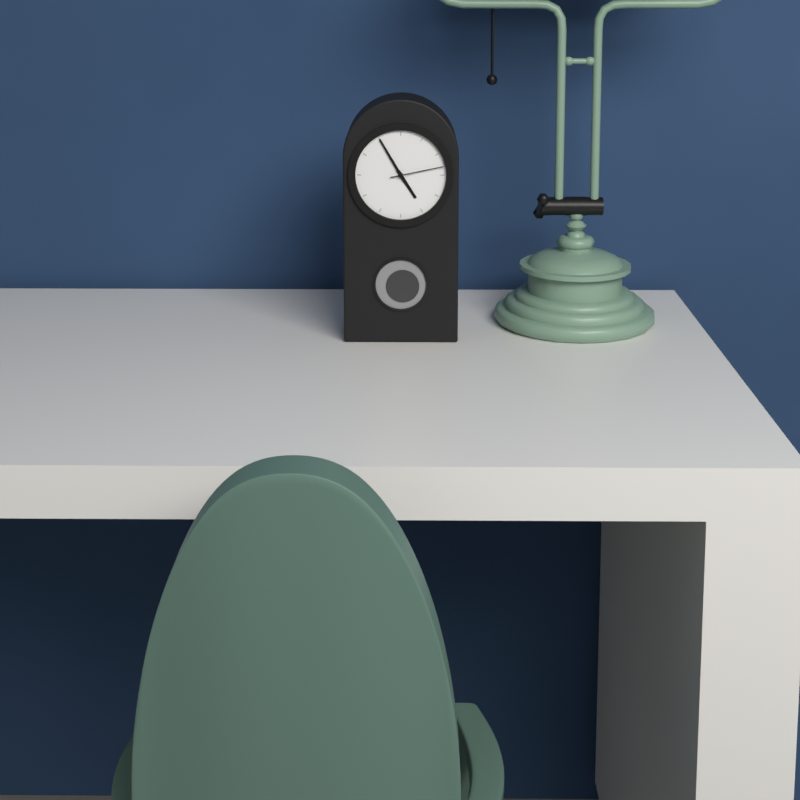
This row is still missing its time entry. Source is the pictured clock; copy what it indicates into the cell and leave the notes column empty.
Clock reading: 4:55:13
